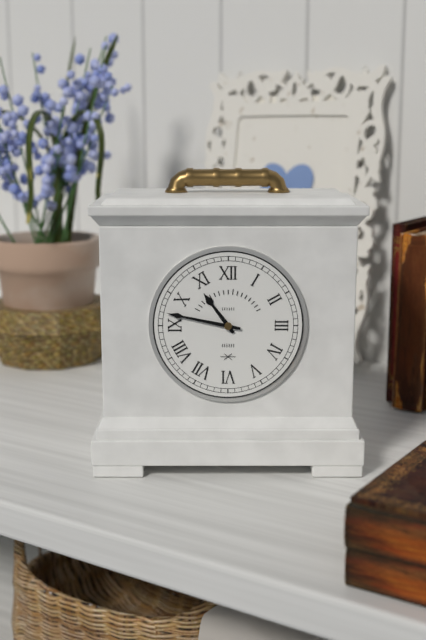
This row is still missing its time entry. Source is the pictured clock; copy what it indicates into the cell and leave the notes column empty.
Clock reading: 10:47
